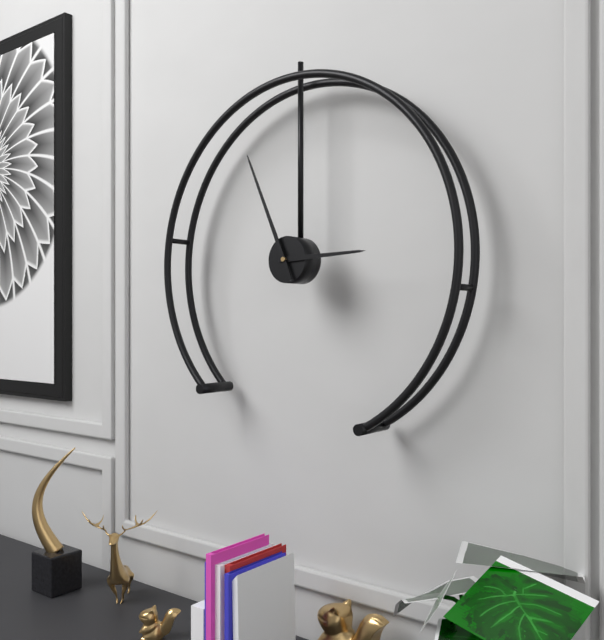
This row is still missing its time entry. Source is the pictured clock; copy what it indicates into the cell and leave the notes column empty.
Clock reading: 2:56
